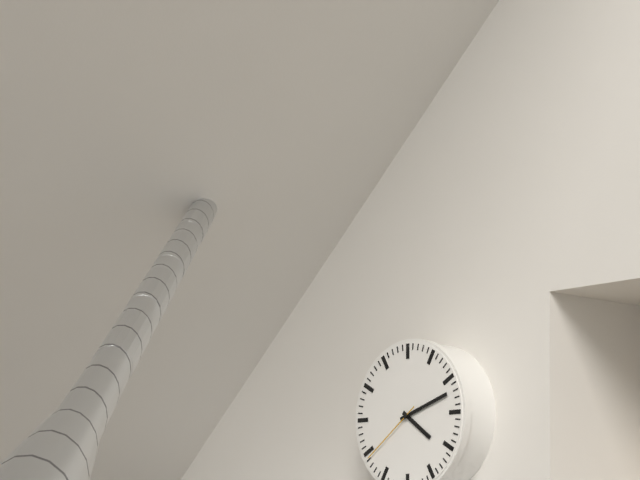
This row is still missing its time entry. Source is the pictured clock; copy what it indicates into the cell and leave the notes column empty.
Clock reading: 4:12:39
